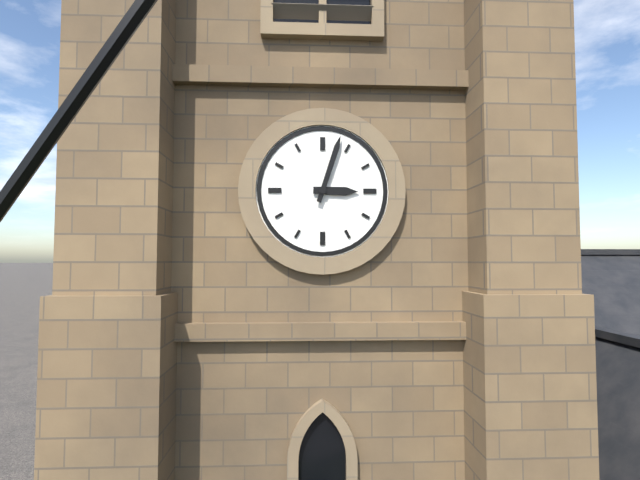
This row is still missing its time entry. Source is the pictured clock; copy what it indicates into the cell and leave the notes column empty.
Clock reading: 3:03
